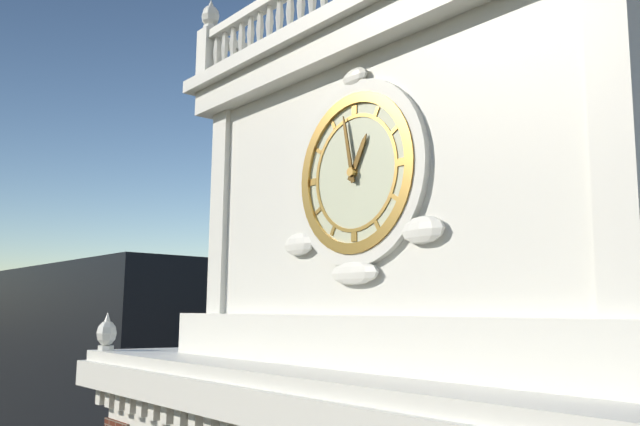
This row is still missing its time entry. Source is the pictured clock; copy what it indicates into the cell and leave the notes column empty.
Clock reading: 12:58
